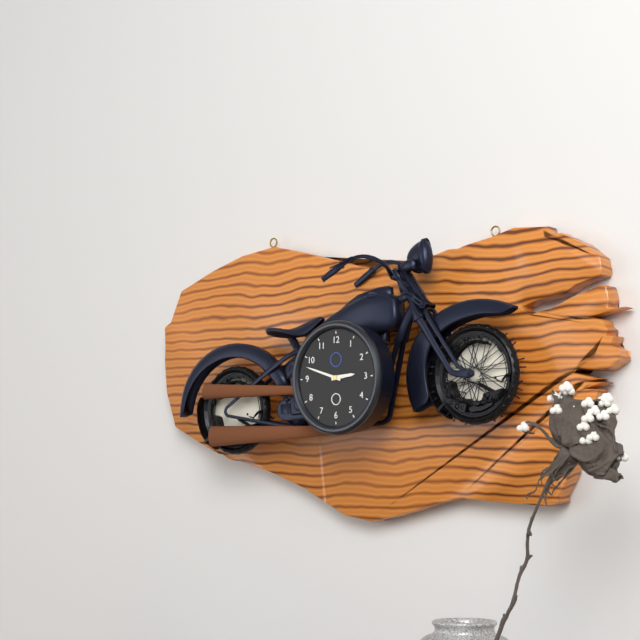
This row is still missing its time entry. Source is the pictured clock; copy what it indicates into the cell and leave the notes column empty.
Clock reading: 2:48
